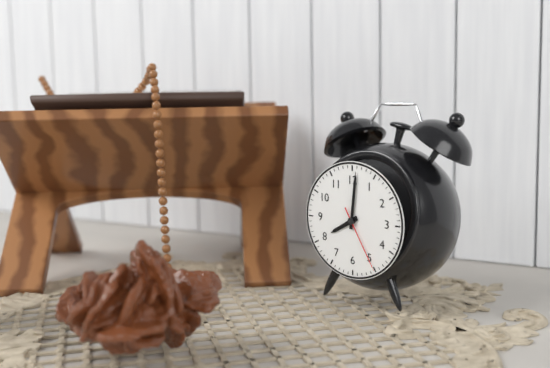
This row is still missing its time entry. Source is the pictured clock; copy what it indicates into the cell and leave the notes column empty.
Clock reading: 8:01:25
